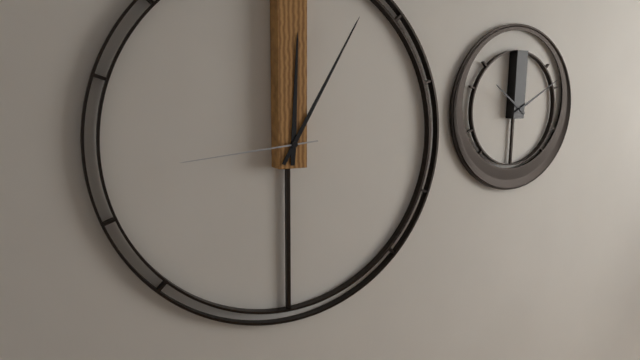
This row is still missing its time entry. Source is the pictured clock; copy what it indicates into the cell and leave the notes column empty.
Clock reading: 12:05:44
